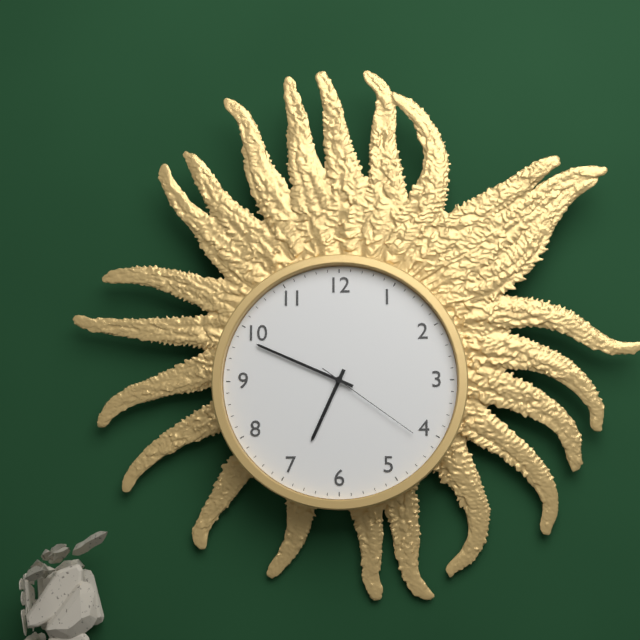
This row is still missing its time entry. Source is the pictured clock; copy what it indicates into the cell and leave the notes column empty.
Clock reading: 6:49:21
